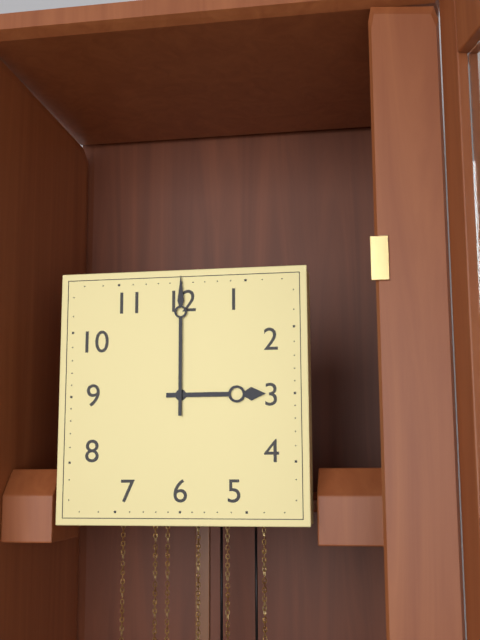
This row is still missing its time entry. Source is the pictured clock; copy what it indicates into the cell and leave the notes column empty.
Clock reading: 3:00
